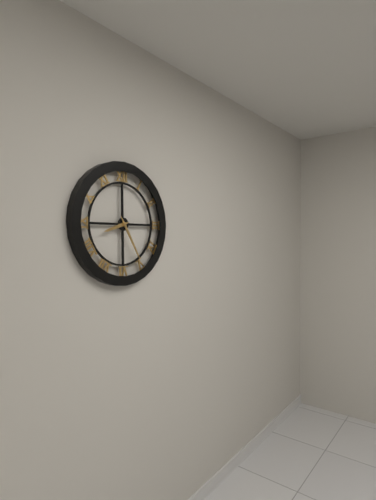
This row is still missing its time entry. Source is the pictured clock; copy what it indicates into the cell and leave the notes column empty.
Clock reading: 8:25
